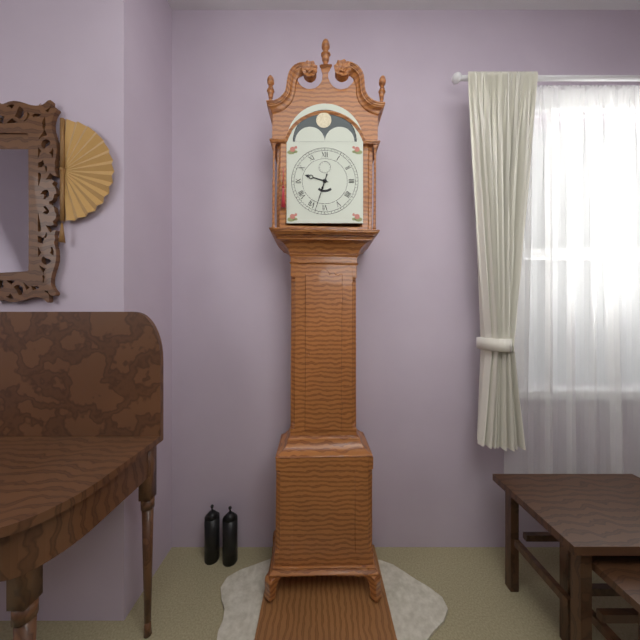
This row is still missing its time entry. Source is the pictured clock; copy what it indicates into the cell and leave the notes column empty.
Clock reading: 9:33
